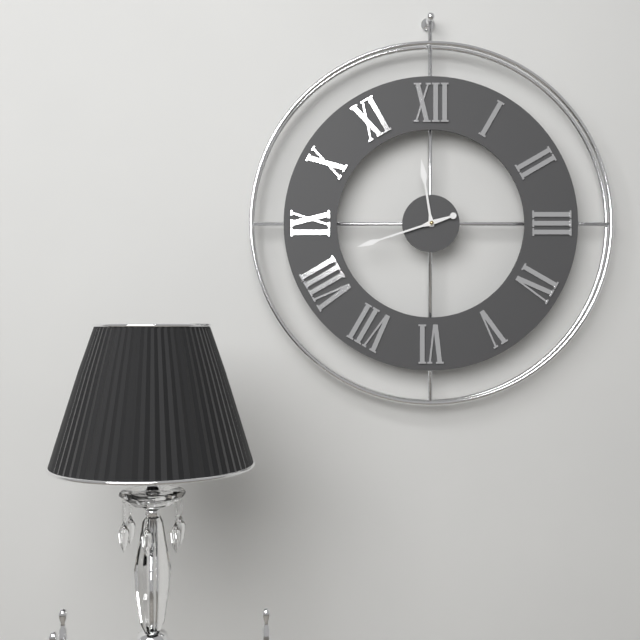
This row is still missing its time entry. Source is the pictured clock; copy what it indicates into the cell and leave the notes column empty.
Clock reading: 11:42
